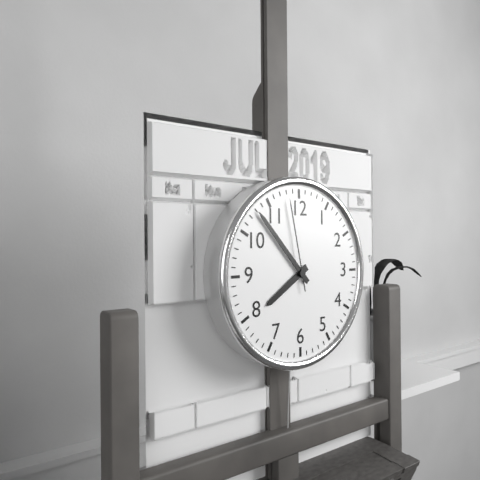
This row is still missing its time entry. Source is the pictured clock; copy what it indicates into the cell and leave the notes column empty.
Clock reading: 7:53:58
